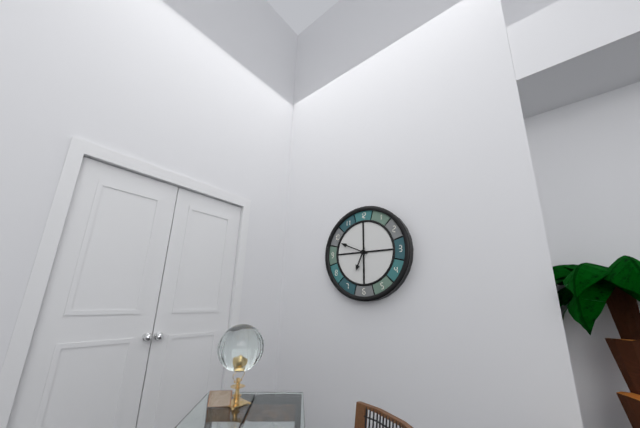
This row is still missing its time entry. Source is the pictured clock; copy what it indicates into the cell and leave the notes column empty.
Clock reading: 6:49
